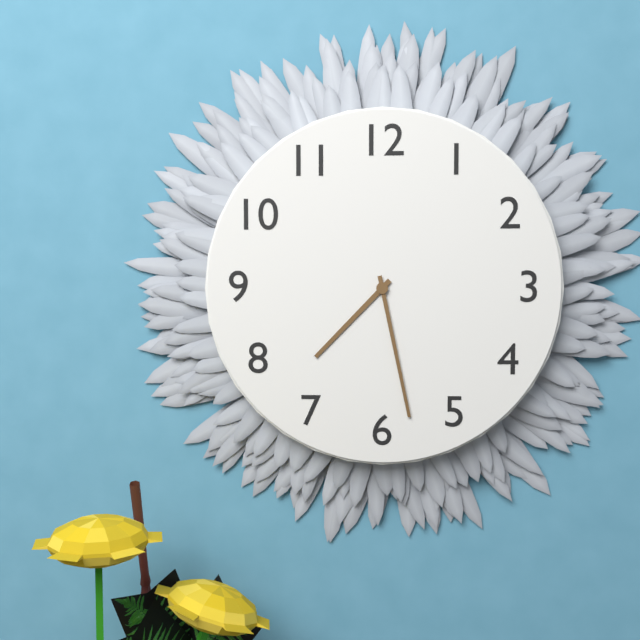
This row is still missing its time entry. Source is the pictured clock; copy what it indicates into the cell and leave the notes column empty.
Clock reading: 7:28
